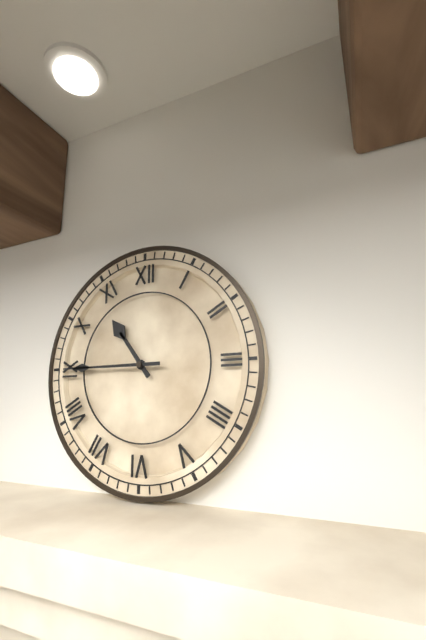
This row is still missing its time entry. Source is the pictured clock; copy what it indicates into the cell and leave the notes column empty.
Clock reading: 10:45
